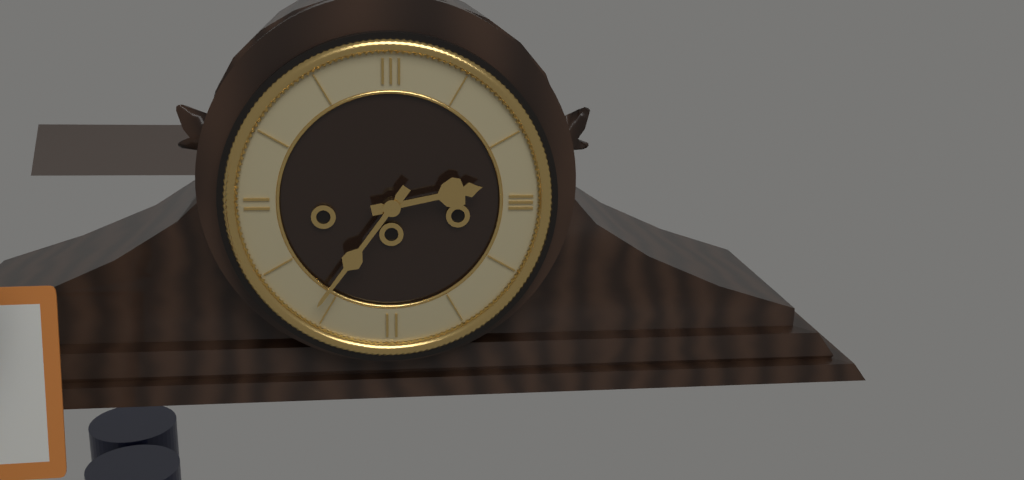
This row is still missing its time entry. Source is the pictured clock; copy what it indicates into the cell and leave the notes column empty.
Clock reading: 2:36
